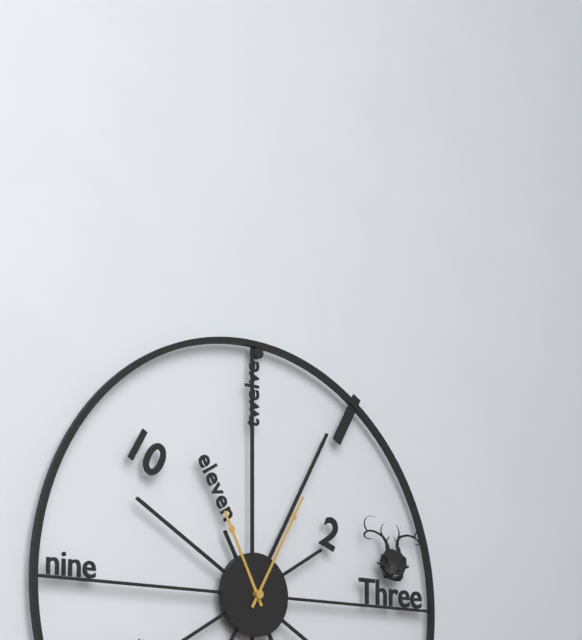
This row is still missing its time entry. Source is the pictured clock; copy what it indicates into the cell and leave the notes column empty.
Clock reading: 11:05
